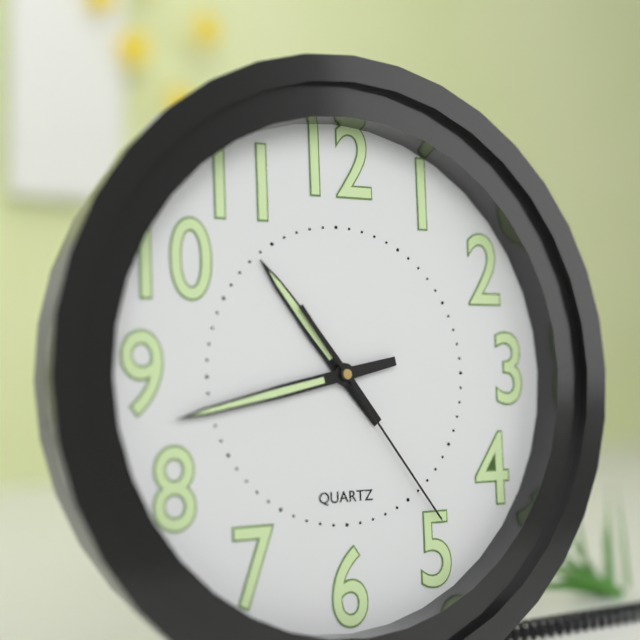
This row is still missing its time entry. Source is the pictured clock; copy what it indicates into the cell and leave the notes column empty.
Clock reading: 10:43:24
